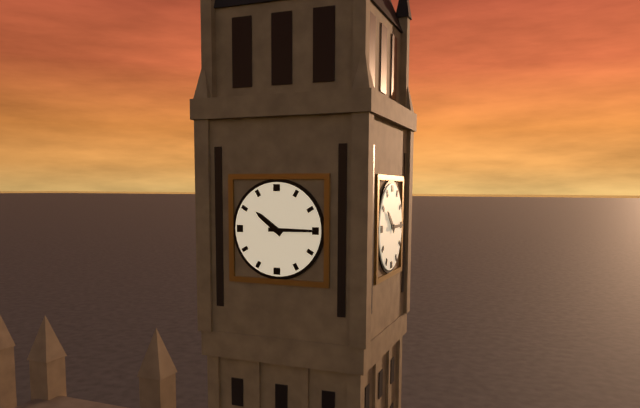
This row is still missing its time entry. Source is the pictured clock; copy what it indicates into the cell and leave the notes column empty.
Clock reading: 10:15
